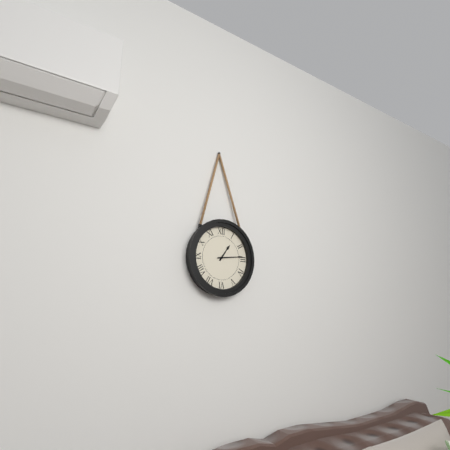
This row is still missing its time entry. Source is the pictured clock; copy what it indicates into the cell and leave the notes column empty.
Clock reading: 1:14
